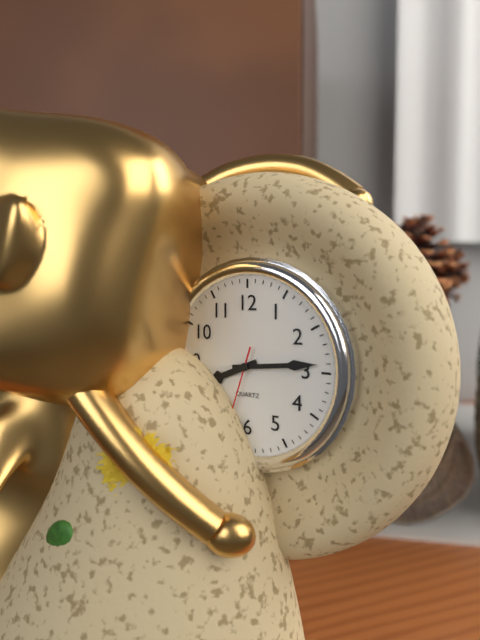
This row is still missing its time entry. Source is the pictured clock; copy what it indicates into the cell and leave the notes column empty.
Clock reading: 8:14
